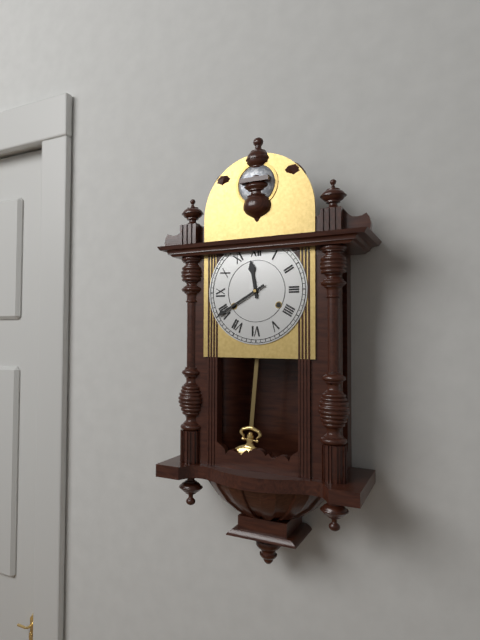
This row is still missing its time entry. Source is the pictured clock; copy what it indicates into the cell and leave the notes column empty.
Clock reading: 11:40
